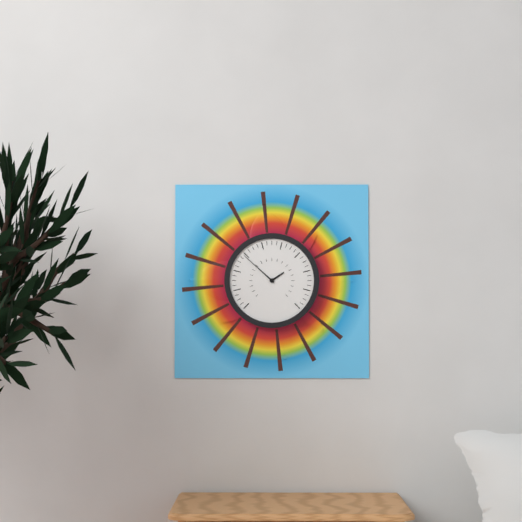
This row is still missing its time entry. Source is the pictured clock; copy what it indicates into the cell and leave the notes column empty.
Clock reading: 1:52
